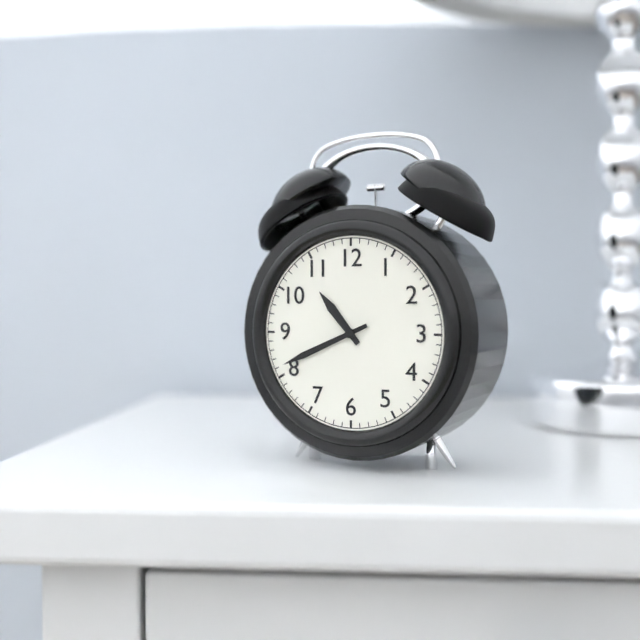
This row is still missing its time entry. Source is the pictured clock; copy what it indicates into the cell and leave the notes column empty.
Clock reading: 10:41
